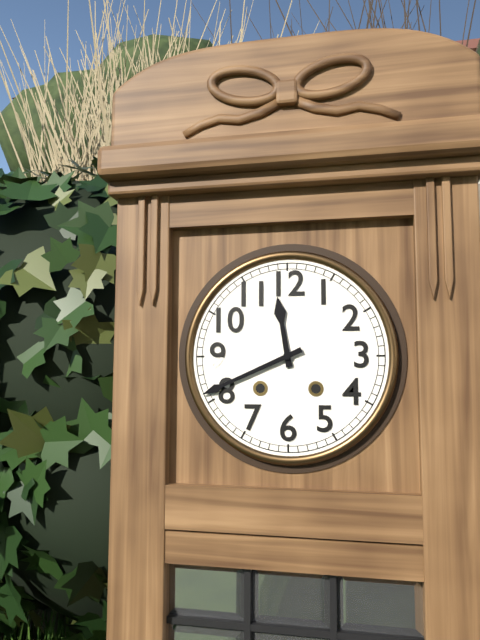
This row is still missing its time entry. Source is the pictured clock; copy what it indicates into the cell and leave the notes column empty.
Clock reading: 11:41
